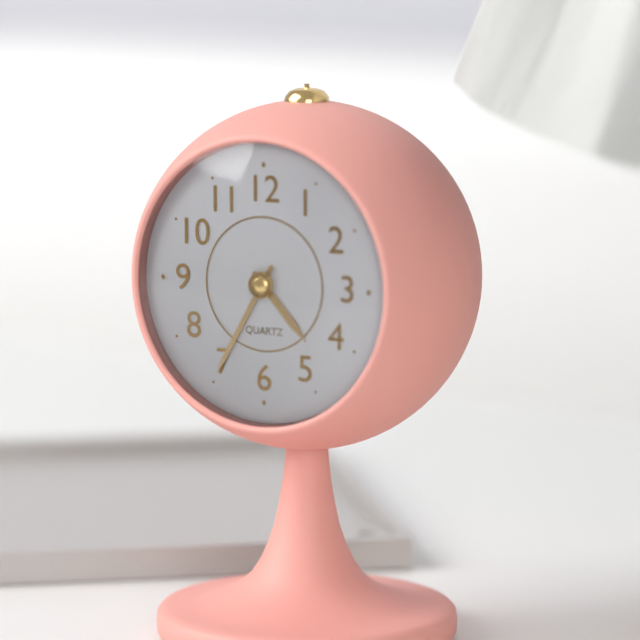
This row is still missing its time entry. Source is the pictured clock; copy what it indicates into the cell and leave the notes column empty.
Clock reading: 4:35
